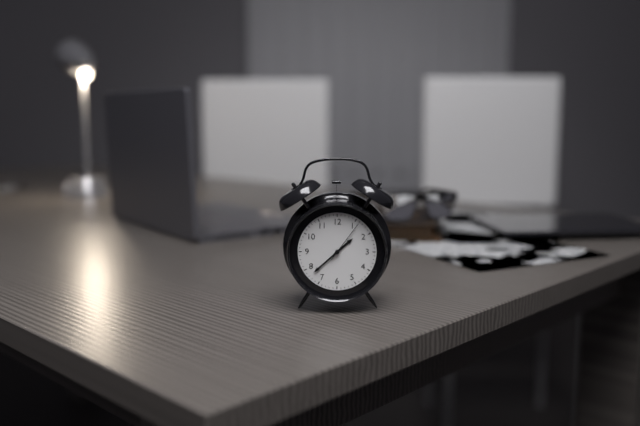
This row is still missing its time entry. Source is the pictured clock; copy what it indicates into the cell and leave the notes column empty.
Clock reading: 1:38
